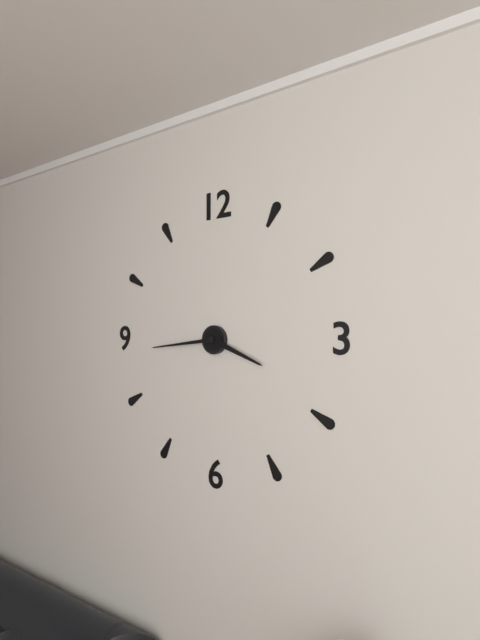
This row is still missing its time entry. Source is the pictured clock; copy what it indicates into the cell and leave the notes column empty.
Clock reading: 3:44
